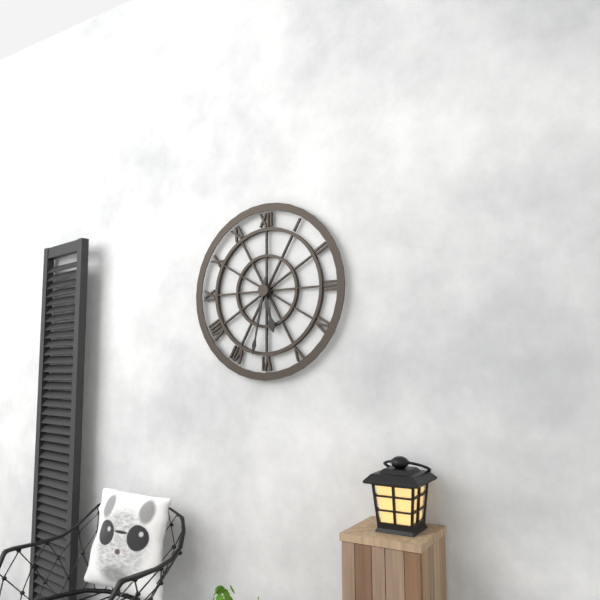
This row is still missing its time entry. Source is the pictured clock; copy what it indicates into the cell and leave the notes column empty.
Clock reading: 5:32
